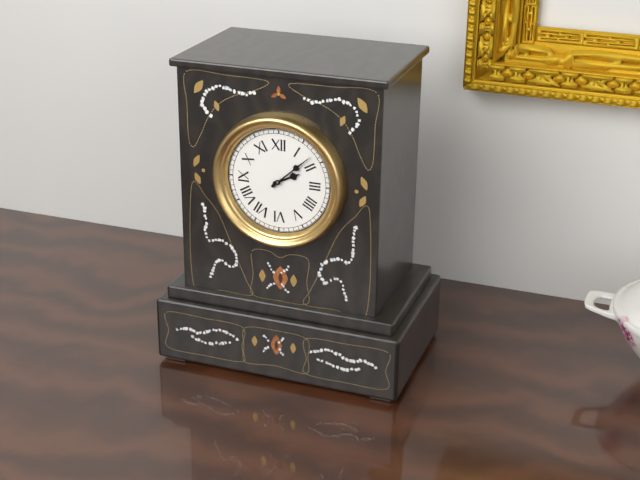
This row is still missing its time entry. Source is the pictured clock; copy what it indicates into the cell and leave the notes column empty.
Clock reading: 2:08
